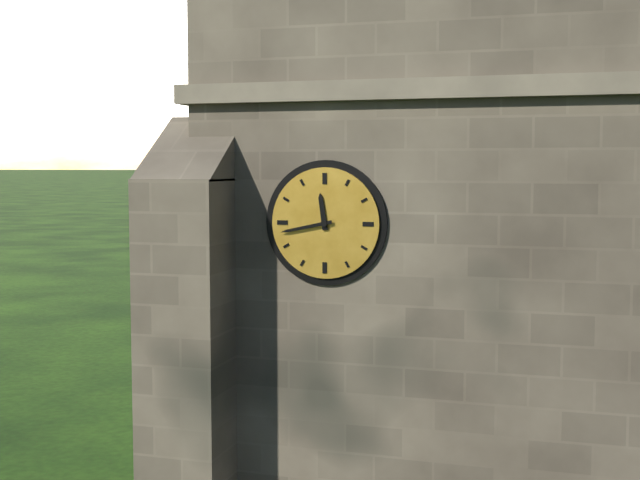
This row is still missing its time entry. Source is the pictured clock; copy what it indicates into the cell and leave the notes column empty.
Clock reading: 11:43
